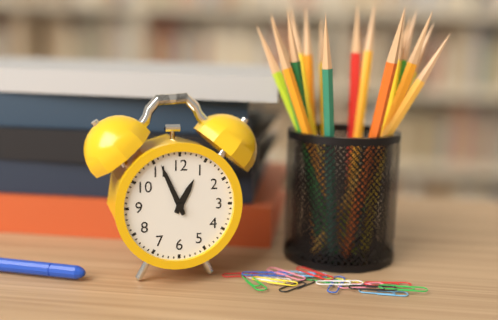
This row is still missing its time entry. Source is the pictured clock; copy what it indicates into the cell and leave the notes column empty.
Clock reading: 12:56
